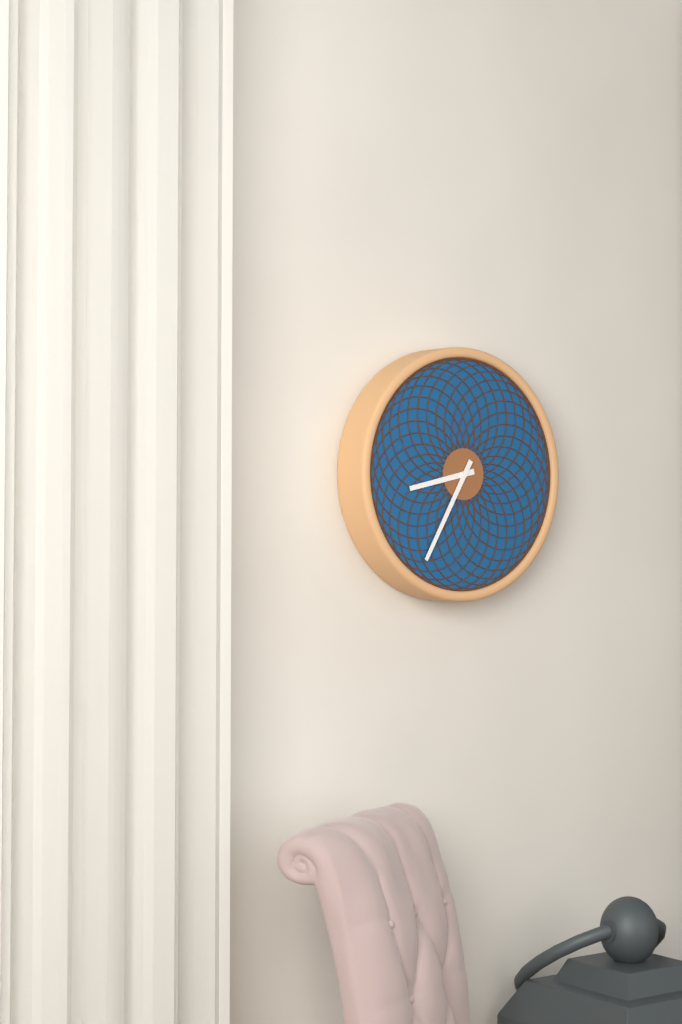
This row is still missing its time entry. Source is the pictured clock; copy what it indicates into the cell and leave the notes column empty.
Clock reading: 8:35
